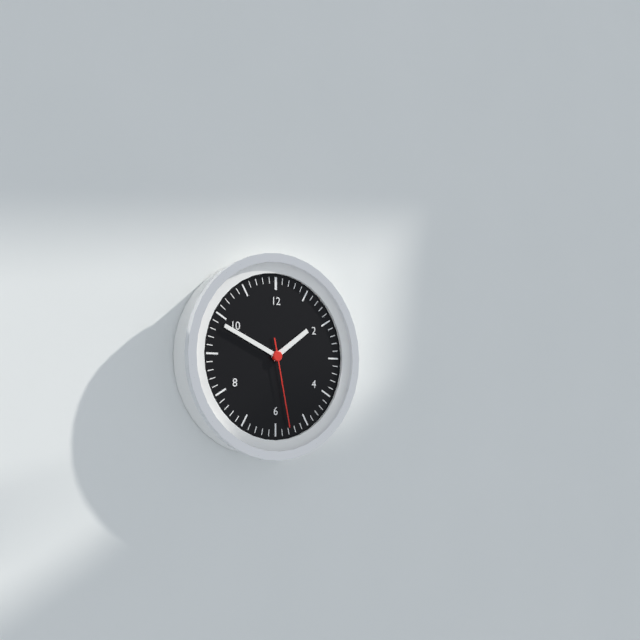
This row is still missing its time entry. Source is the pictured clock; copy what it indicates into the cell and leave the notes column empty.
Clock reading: 1:49:28
